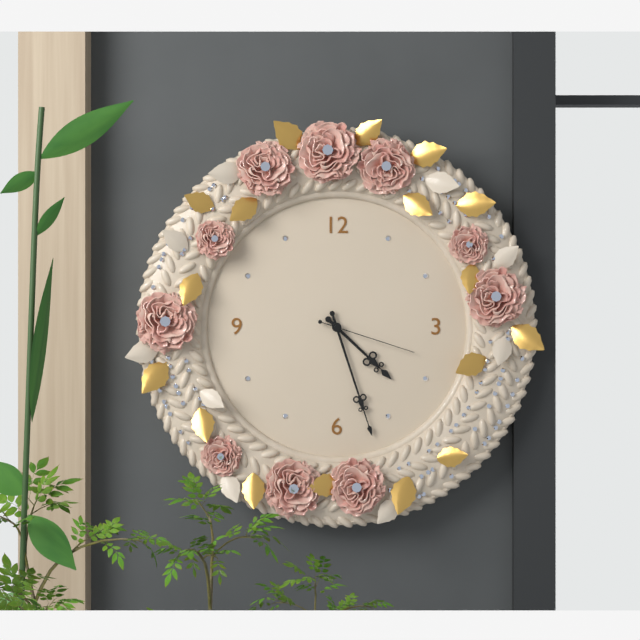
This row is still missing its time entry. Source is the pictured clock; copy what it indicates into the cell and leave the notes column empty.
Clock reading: 4:27:18
